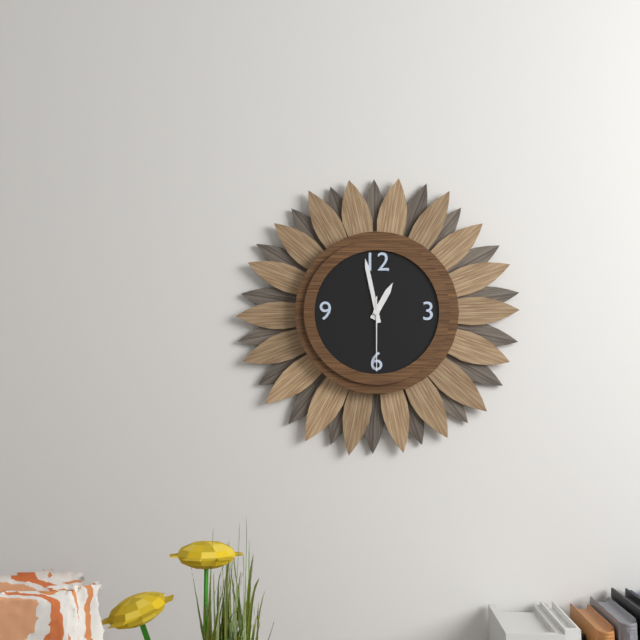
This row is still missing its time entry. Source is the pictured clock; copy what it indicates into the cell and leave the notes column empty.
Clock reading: 12:58:30
